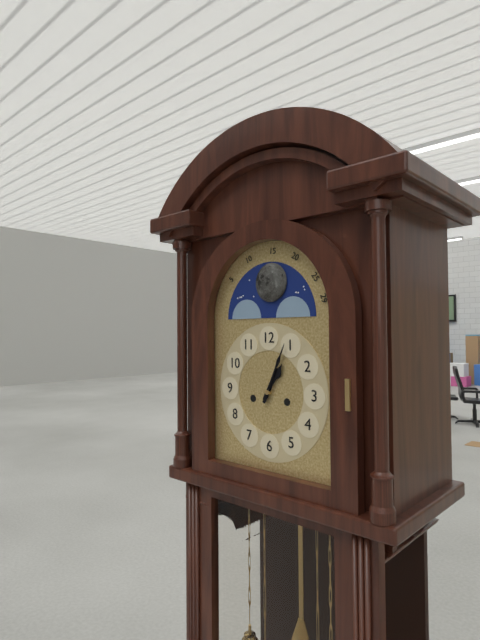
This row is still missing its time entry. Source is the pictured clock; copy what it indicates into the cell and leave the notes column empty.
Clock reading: 1:04
